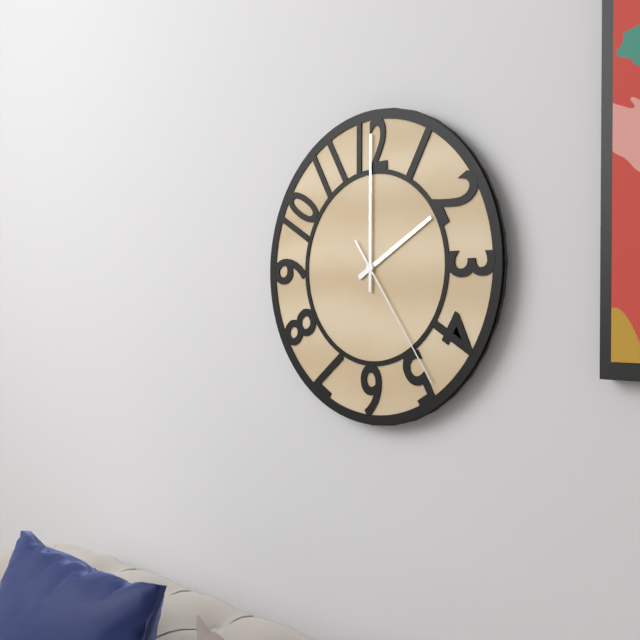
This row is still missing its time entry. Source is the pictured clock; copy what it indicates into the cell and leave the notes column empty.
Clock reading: 2:00:24
